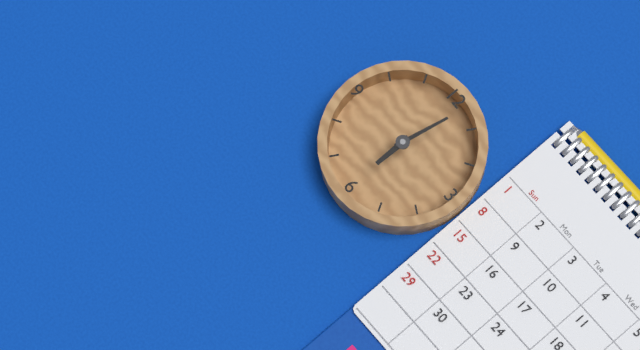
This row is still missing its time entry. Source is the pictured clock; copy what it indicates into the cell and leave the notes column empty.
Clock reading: 6:02
